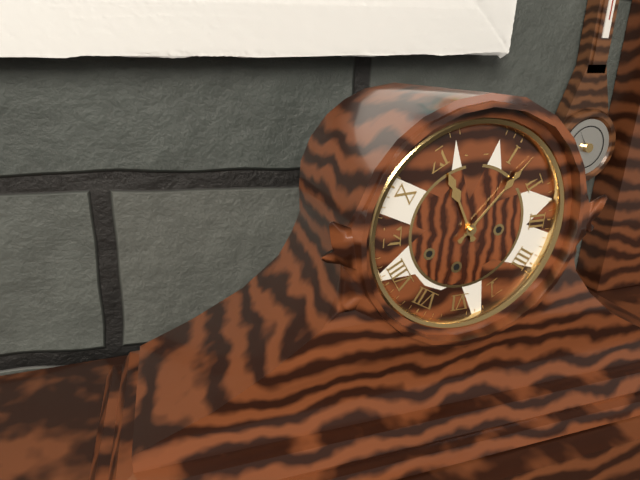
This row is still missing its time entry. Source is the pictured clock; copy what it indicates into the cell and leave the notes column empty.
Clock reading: 11:07
